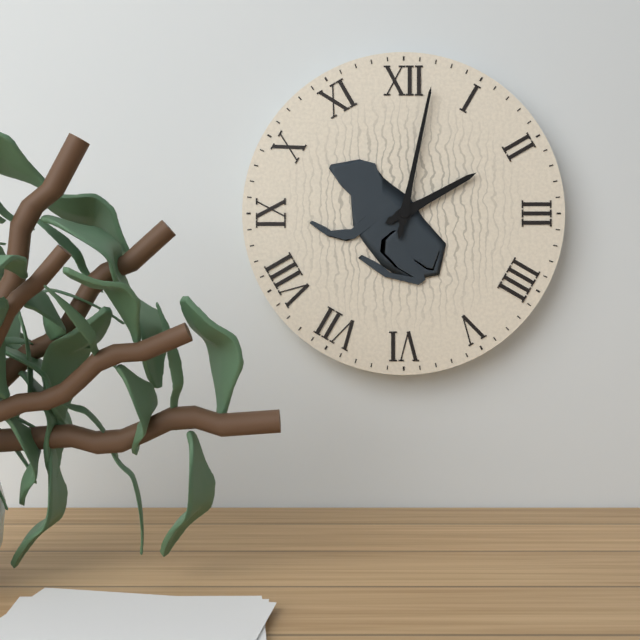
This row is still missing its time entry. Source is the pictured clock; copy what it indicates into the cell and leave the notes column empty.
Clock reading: 2:02
